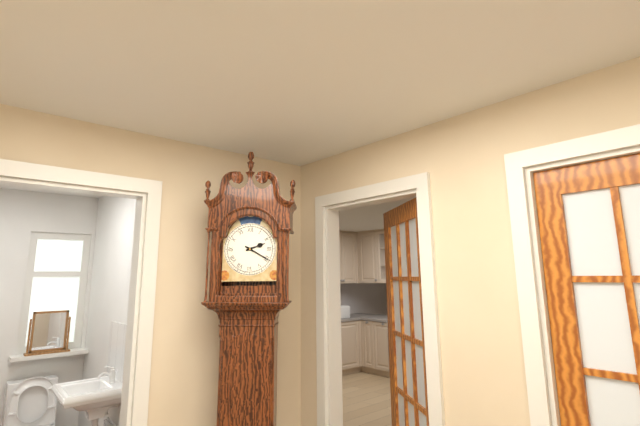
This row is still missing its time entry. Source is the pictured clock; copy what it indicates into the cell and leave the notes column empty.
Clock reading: 2:20
